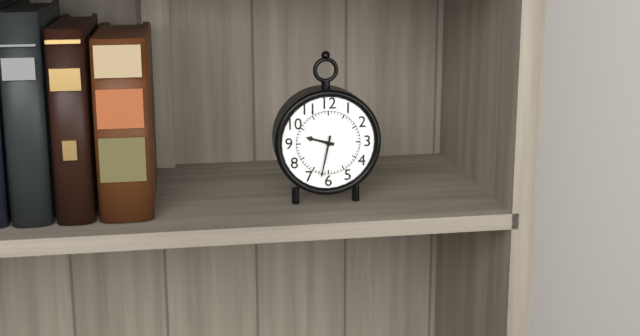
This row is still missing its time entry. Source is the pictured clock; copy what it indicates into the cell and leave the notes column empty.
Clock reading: 9:32
